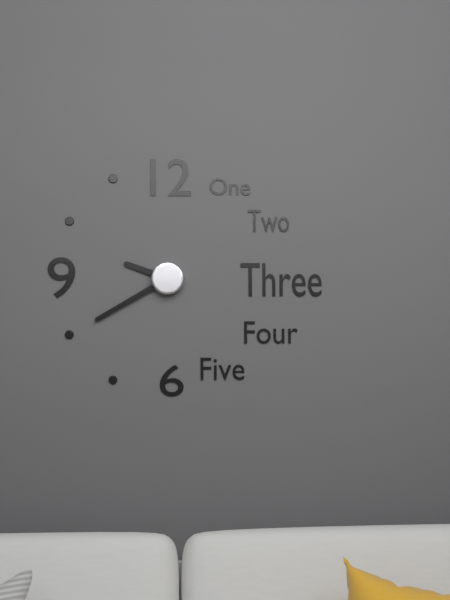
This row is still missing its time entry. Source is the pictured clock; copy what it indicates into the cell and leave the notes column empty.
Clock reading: 9:40
